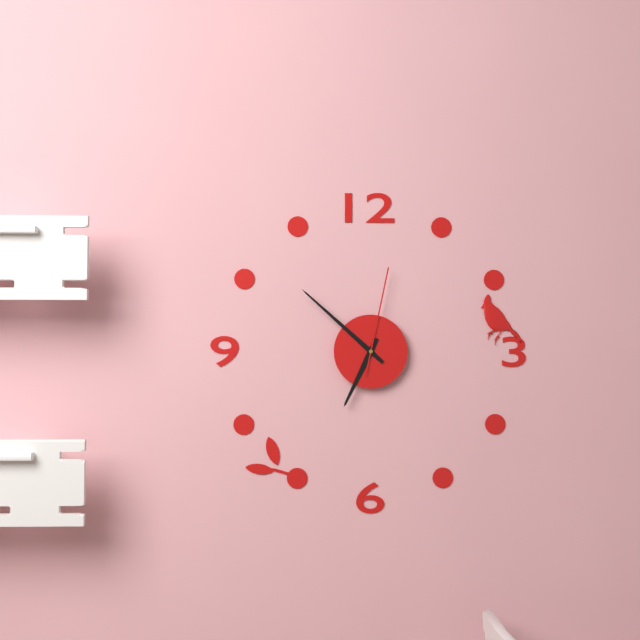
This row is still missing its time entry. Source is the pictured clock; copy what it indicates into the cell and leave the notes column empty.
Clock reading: 6:52:02
